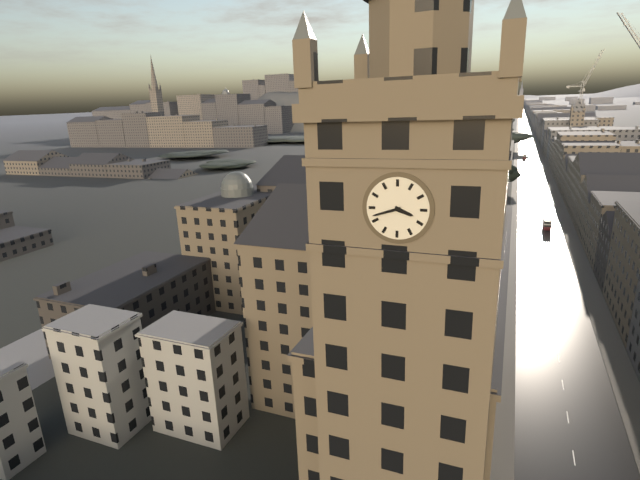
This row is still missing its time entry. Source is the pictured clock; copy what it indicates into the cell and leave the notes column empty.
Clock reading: 3:42
